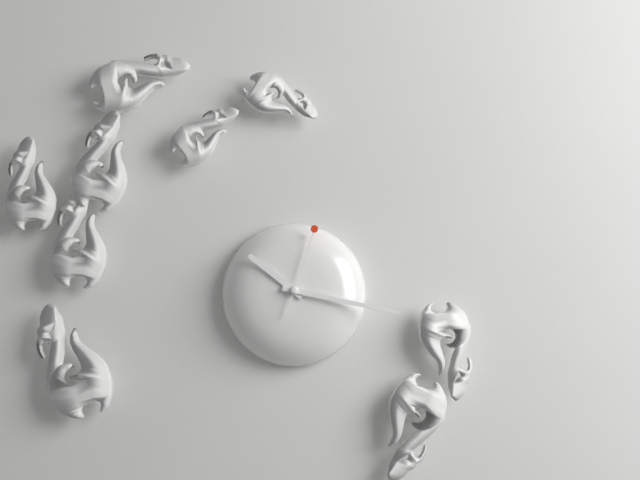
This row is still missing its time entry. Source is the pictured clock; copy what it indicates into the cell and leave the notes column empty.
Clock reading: 10:17:03
